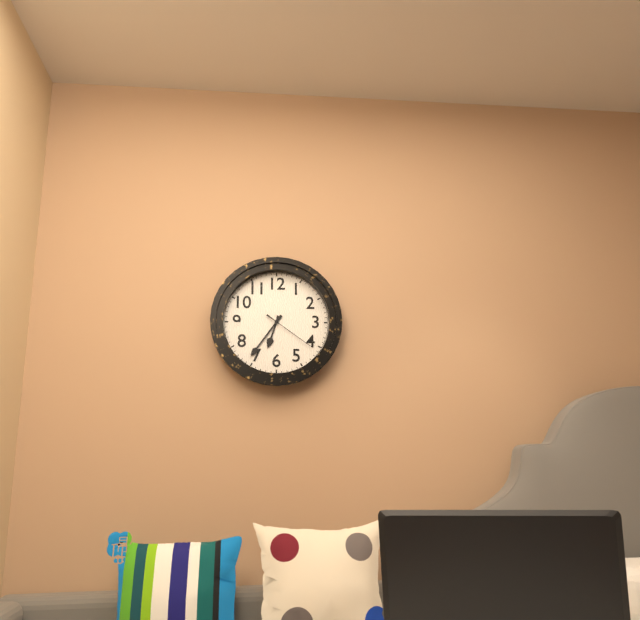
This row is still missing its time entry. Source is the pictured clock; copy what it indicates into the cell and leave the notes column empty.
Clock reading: 6:36:21
